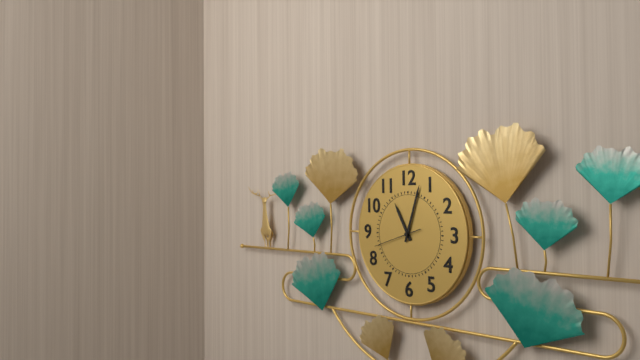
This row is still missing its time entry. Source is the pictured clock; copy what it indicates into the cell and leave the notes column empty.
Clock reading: 11:03
